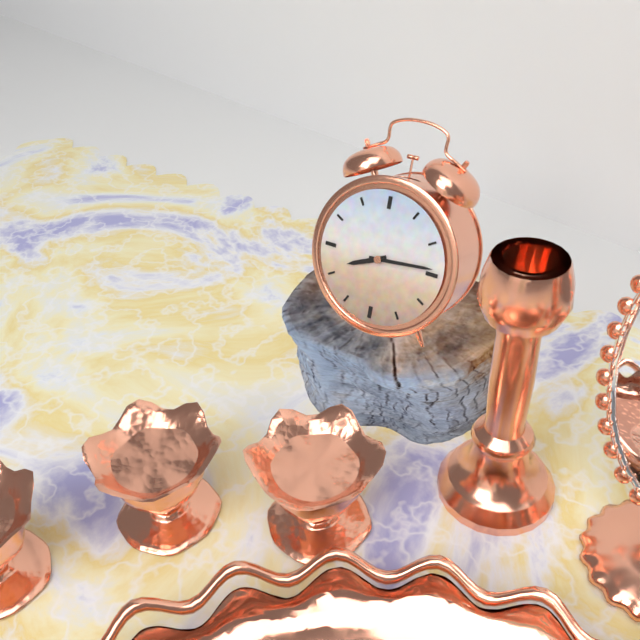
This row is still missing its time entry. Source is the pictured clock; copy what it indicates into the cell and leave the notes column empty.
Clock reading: 8:14
